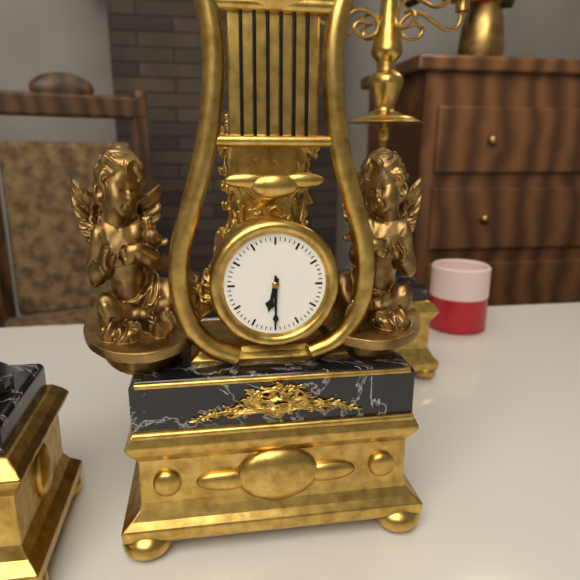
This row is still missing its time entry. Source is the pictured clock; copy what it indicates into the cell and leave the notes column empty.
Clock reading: 6:30
